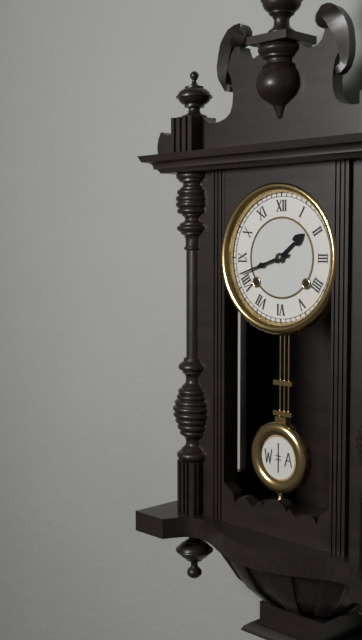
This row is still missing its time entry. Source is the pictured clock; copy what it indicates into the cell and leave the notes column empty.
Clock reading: 1:42
